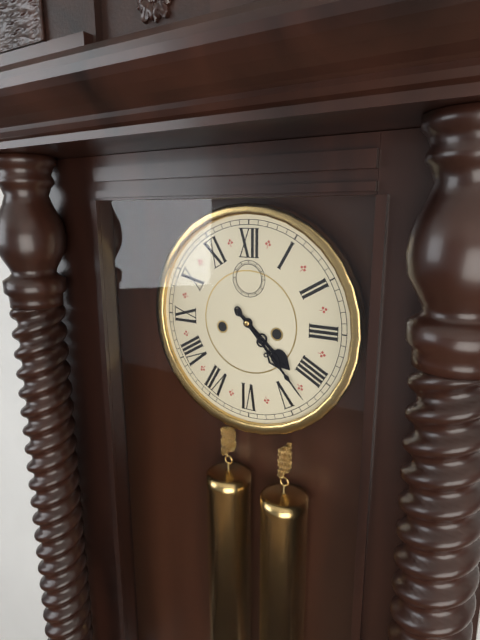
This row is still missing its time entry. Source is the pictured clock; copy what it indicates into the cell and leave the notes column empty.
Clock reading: 4:23
